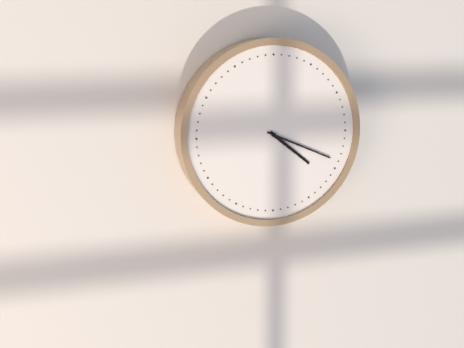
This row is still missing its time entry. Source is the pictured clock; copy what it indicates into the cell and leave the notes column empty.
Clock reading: 4:19
